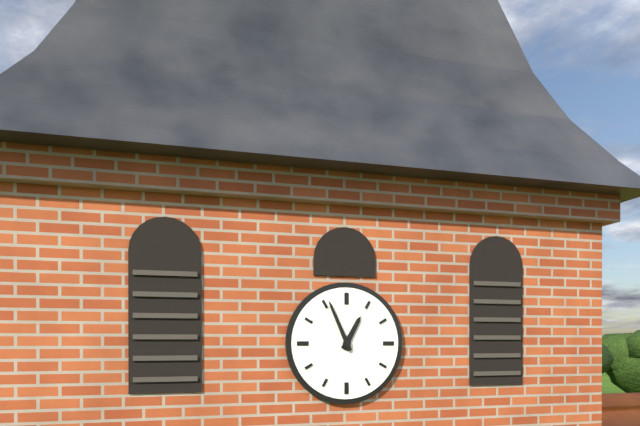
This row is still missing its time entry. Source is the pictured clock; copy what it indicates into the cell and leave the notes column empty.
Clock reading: 12:56
